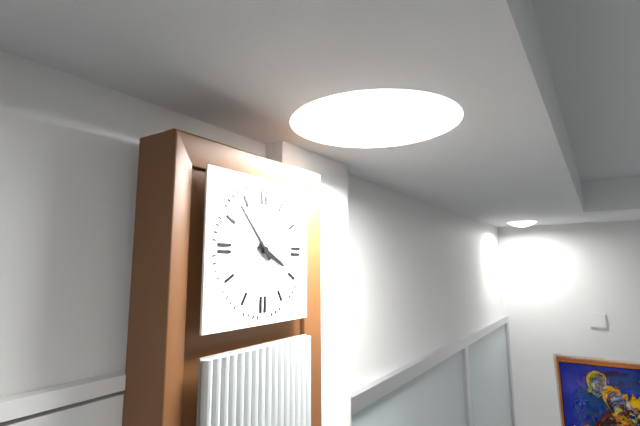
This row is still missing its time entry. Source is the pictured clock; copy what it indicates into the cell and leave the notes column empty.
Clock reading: 3:53
